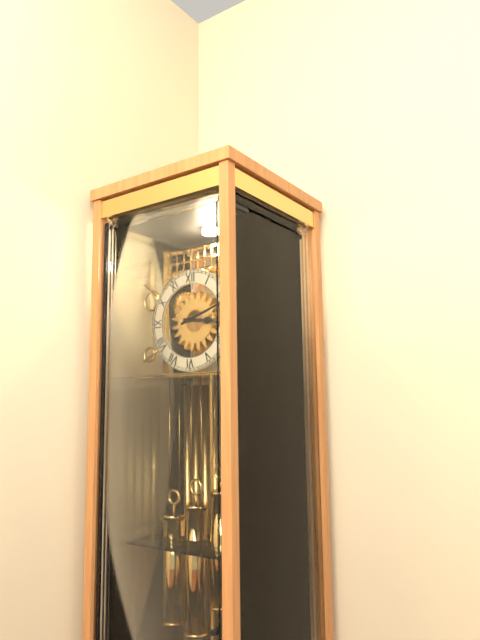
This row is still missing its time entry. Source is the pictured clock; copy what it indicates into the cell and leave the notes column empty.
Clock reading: 3:12
